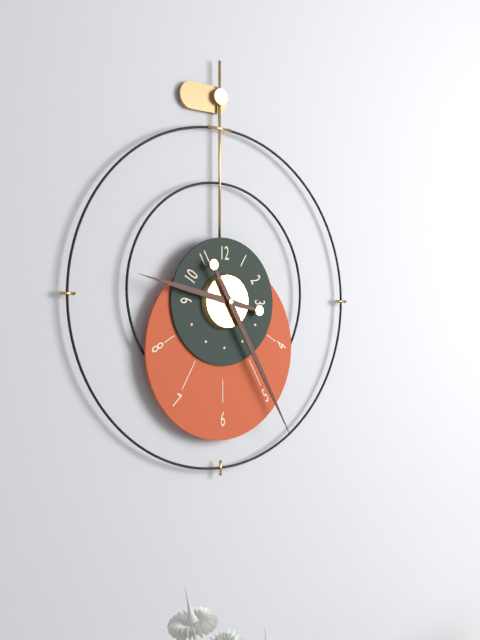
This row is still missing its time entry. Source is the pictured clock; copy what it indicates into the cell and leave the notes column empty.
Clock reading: 9:25
